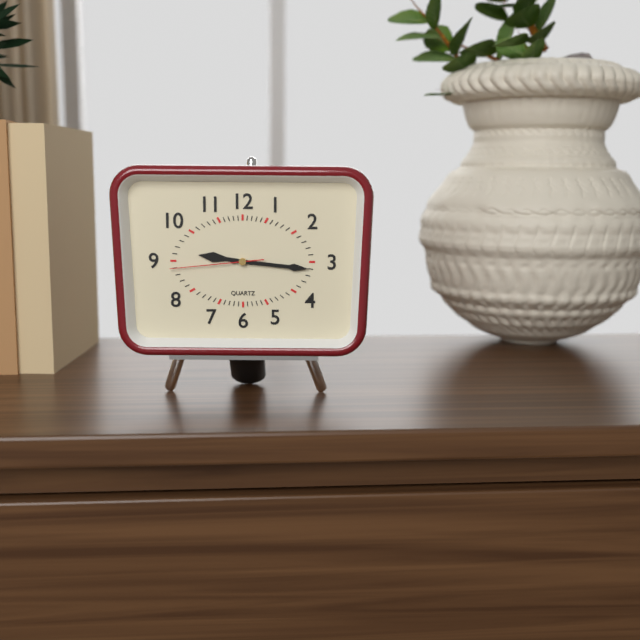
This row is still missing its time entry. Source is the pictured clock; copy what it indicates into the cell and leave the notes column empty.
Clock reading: 9:16:44
